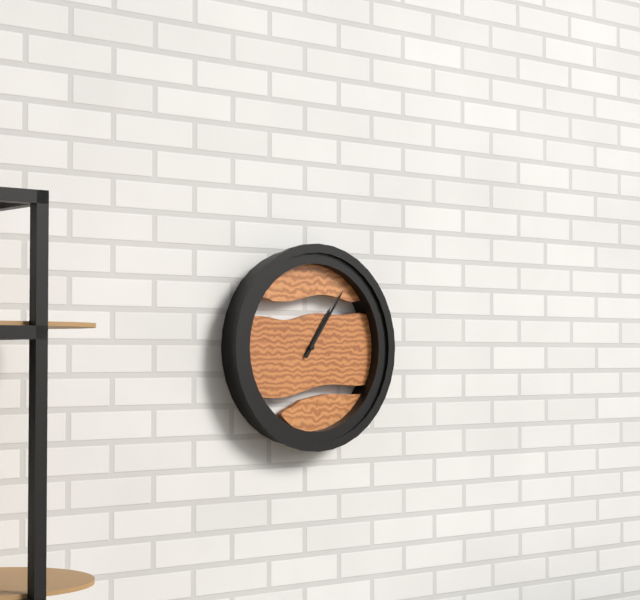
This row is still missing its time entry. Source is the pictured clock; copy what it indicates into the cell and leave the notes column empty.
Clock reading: 1:06
